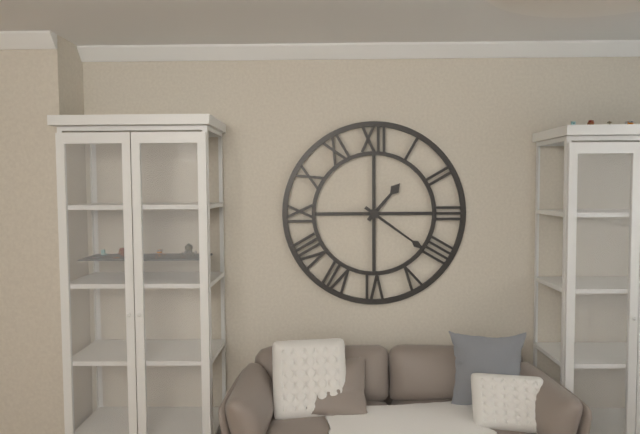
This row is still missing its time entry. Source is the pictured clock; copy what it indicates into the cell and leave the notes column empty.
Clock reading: 1:21
